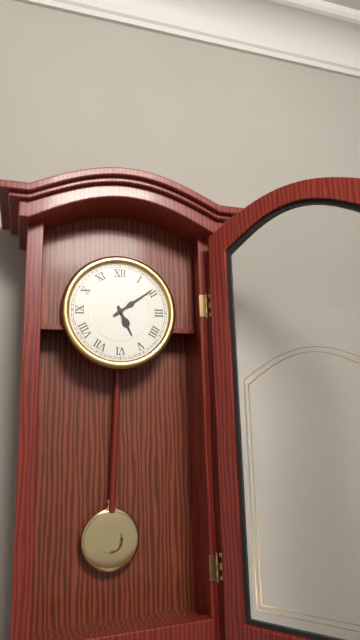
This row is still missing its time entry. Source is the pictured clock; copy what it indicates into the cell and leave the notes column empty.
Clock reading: 5:09
